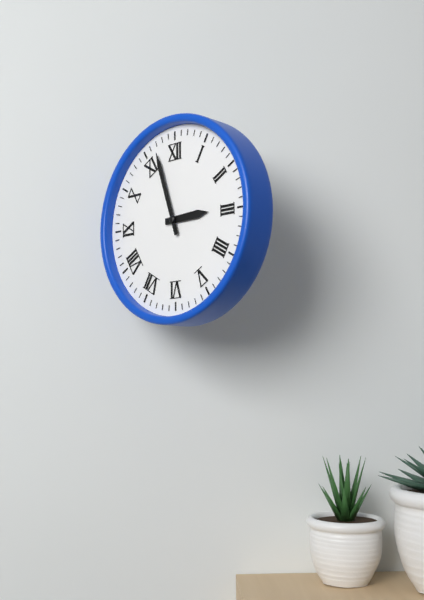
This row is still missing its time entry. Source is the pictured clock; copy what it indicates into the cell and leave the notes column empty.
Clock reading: 2:57
